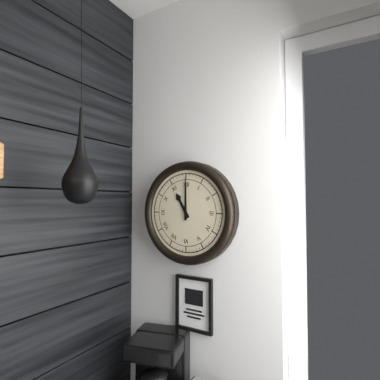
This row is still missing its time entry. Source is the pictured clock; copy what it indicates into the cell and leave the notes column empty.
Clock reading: 11:00
